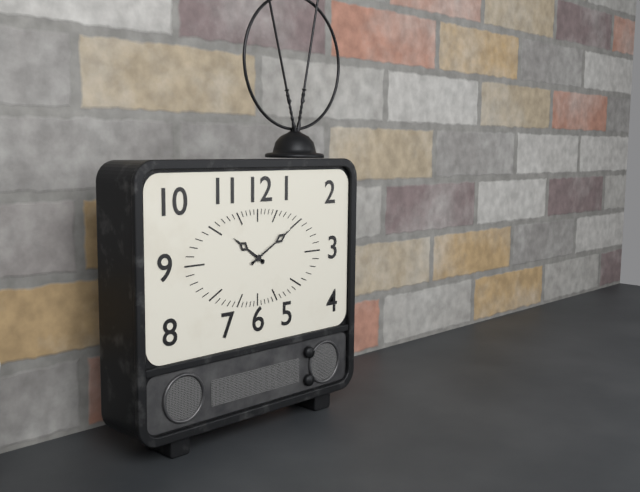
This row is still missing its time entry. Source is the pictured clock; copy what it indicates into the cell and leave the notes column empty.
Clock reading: 10:10
